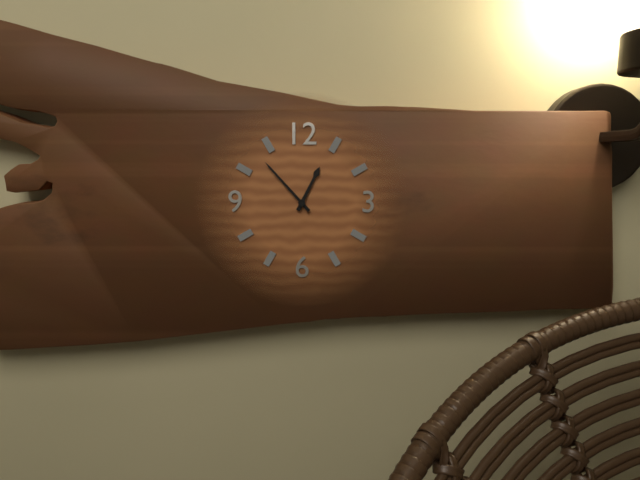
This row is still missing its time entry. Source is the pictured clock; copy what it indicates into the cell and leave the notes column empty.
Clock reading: 12:53
